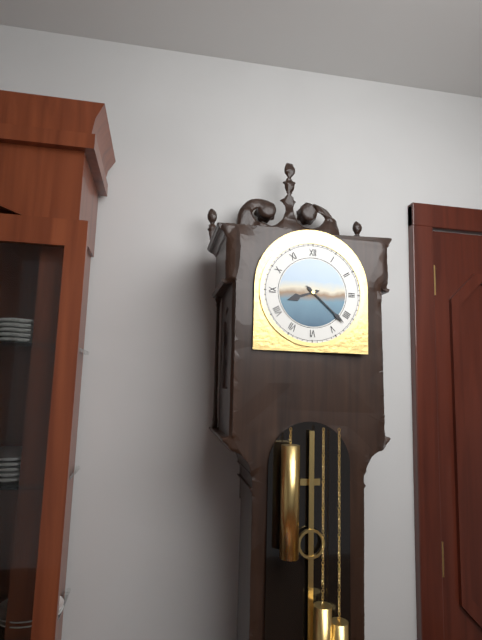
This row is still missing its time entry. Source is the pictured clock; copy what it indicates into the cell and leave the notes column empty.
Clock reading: 8:22
